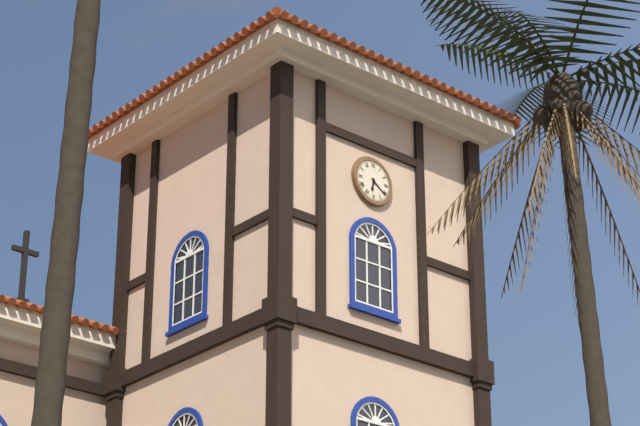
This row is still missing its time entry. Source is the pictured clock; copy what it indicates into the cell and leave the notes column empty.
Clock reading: 6:21
